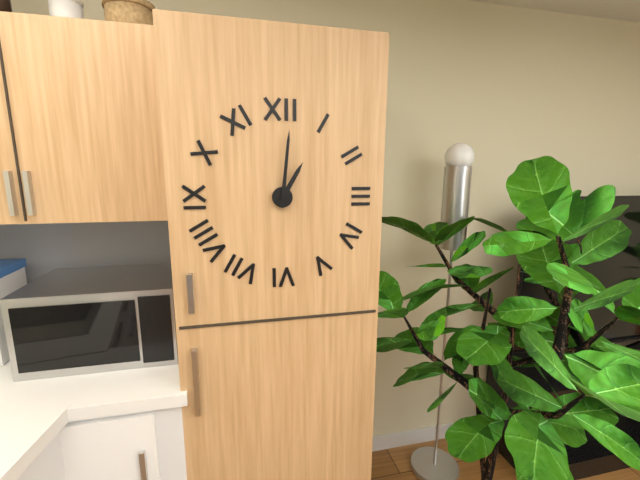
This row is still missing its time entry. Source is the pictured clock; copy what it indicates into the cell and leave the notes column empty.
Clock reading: 1:01
